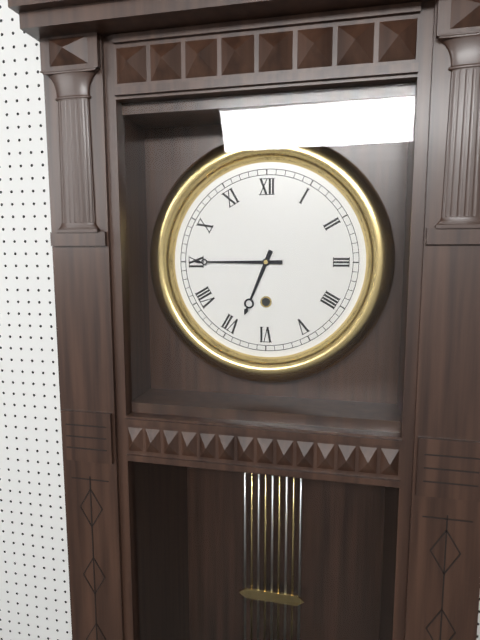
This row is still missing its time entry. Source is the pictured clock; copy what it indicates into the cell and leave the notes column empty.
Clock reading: 6:45
